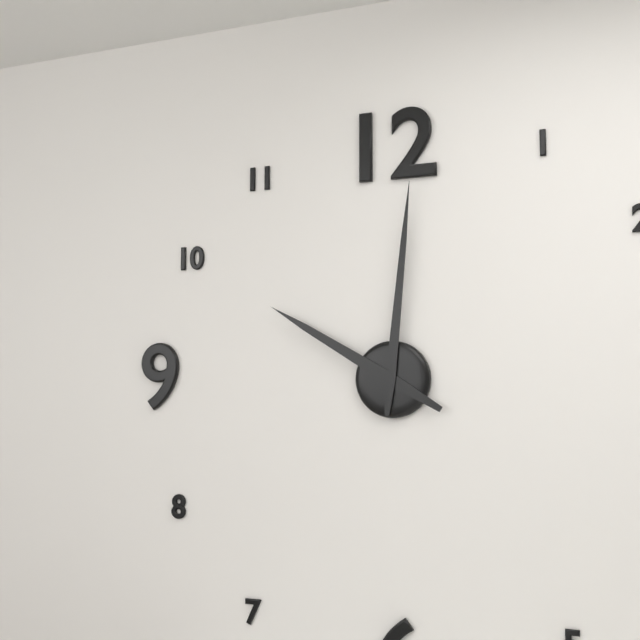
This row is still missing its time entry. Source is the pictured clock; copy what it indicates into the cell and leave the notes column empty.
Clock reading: 10:01
